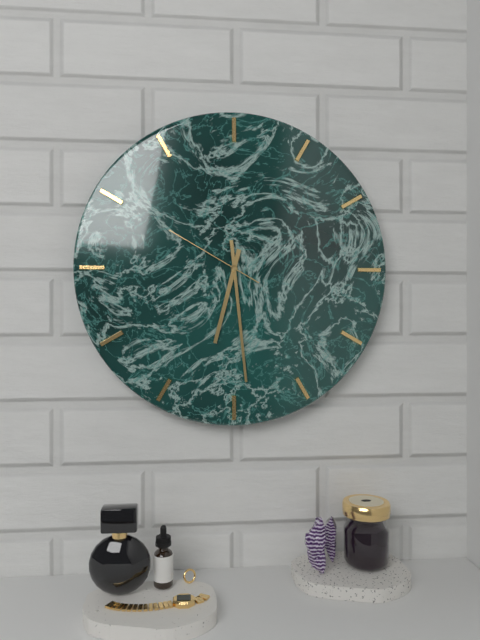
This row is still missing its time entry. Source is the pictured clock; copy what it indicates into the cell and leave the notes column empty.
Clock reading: 6:29:50
